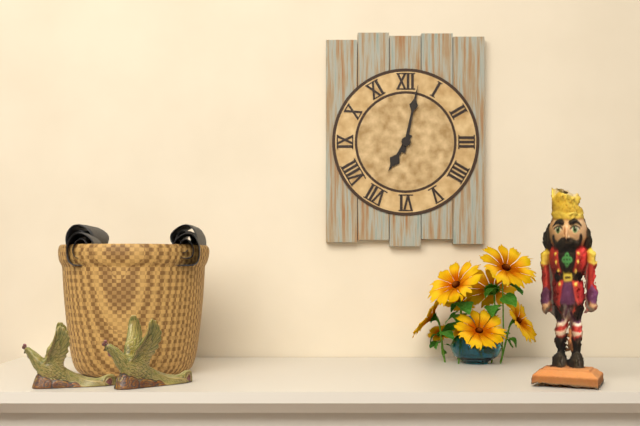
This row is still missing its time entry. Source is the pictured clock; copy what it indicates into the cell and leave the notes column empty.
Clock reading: 7:02
